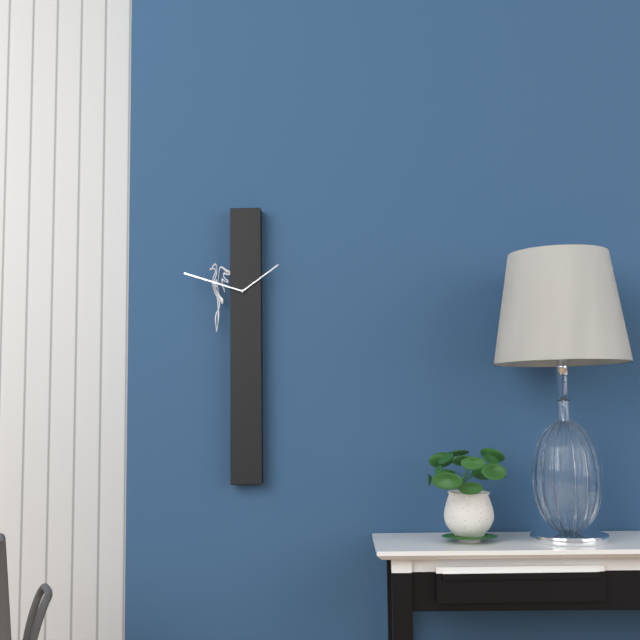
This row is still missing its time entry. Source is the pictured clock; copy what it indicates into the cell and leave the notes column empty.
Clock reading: 1:48
